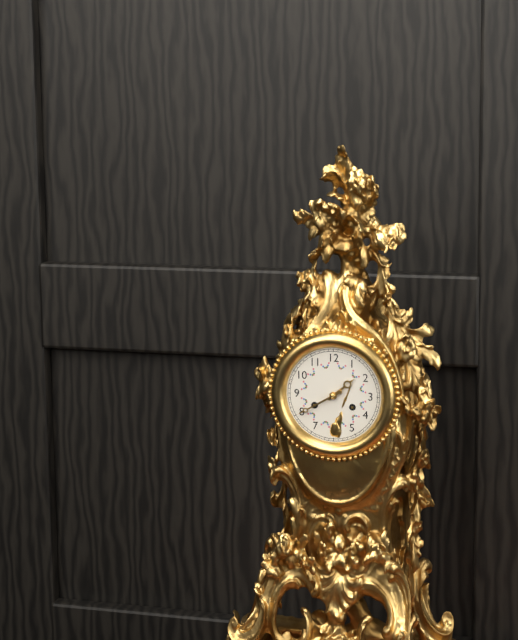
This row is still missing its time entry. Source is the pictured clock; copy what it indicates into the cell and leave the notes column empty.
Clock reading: 1:40
